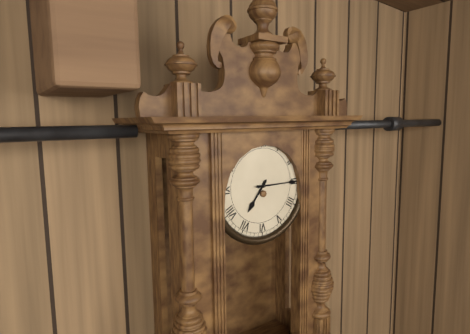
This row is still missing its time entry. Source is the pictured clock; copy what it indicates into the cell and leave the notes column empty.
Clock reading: 7:15
